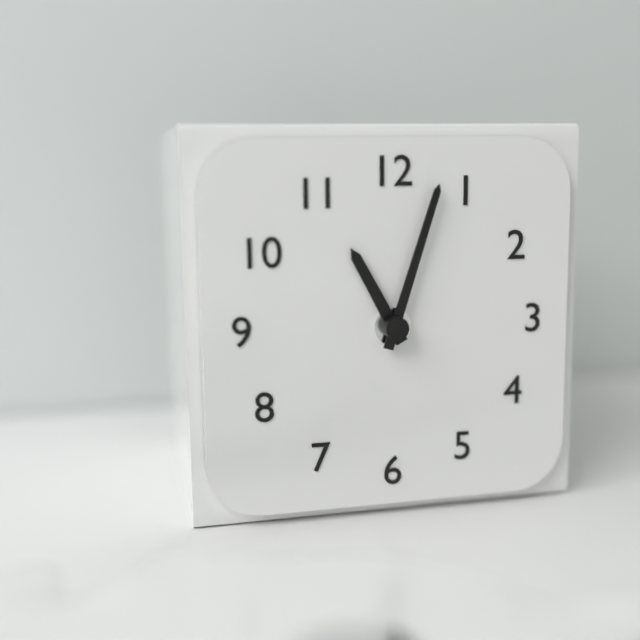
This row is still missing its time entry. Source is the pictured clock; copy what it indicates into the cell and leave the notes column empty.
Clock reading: 11:03
